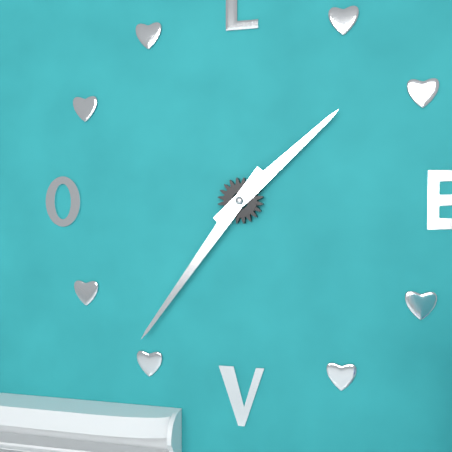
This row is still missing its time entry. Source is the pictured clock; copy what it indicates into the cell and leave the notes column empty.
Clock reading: 1:36
